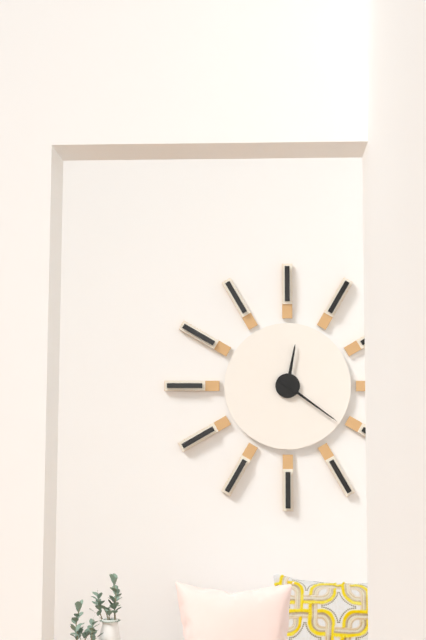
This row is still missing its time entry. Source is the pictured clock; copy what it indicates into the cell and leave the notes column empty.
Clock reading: 12:21
